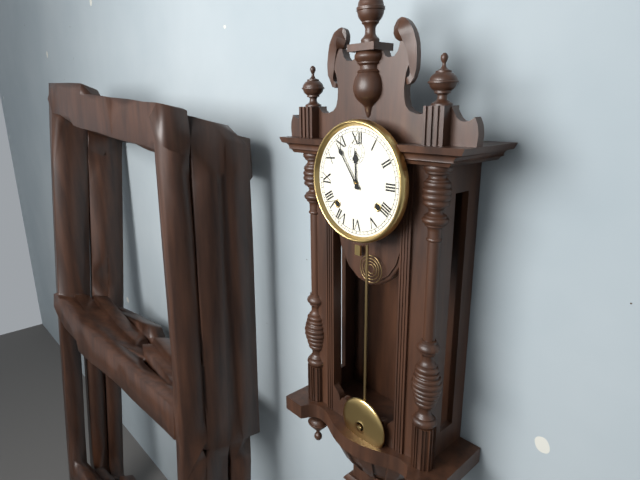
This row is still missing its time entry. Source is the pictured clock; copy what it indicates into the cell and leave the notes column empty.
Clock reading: 11:54
